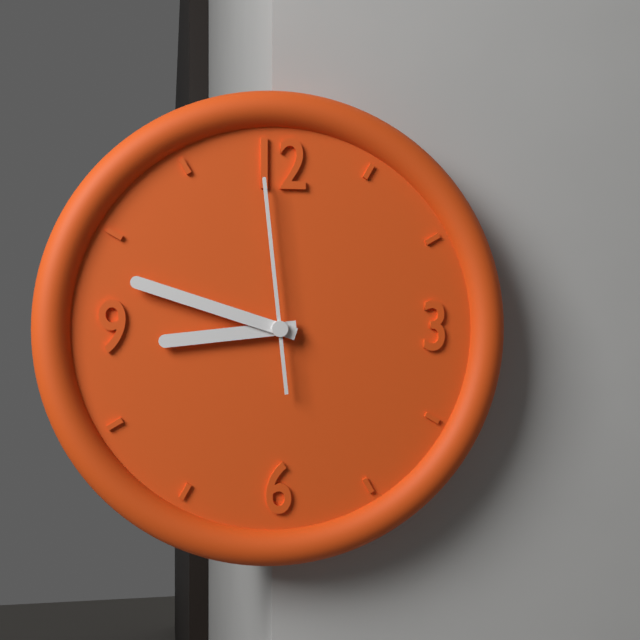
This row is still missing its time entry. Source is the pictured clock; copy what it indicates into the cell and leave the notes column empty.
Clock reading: 8:48:59
